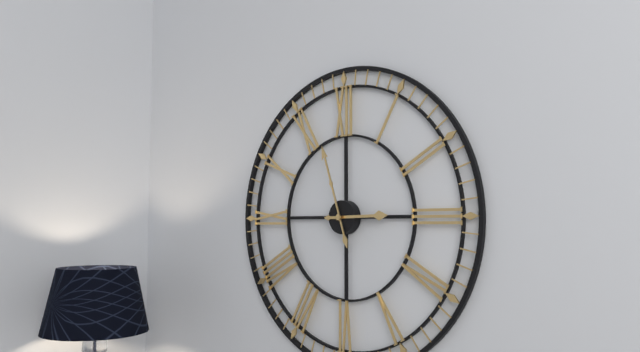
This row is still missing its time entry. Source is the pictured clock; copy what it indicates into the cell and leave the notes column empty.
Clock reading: 2:57
